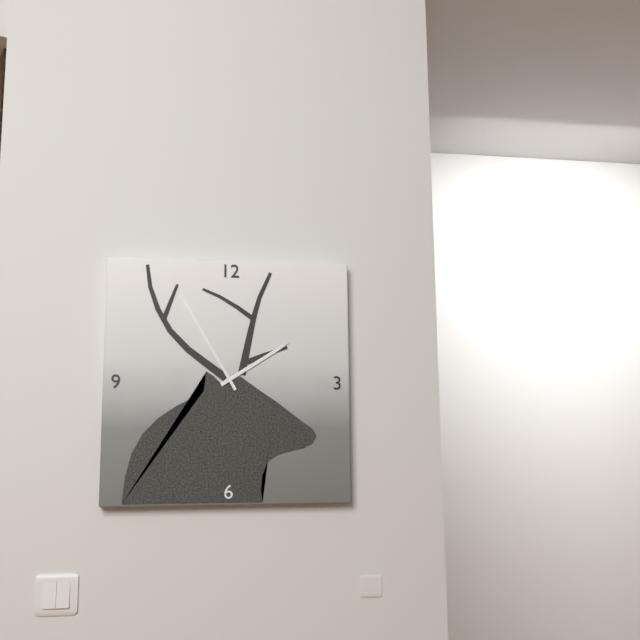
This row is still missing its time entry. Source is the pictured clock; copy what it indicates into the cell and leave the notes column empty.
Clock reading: 1:55
